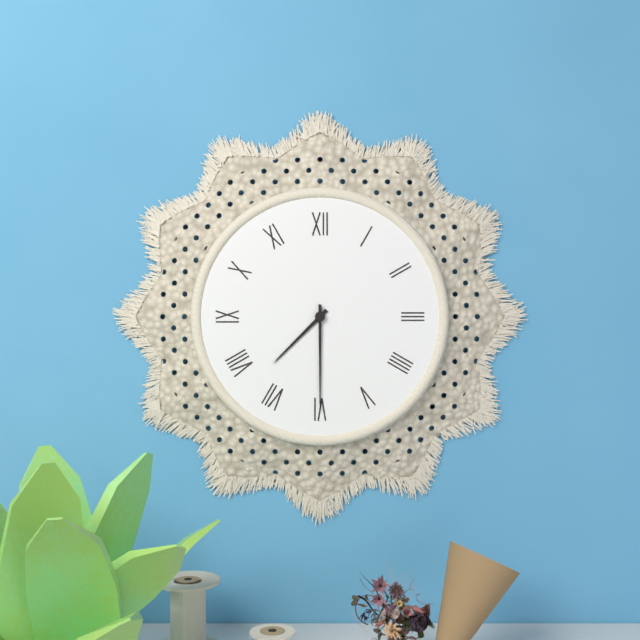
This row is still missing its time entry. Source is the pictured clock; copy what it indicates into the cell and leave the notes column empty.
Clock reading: 7:30
